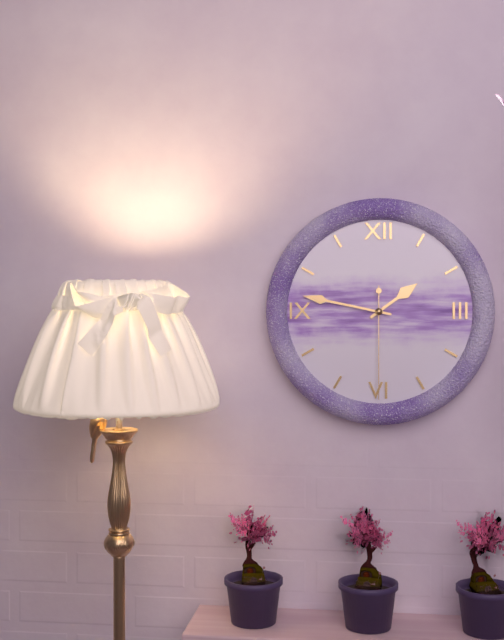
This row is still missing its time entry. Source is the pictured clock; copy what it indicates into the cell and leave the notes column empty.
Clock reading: 1:47:30
